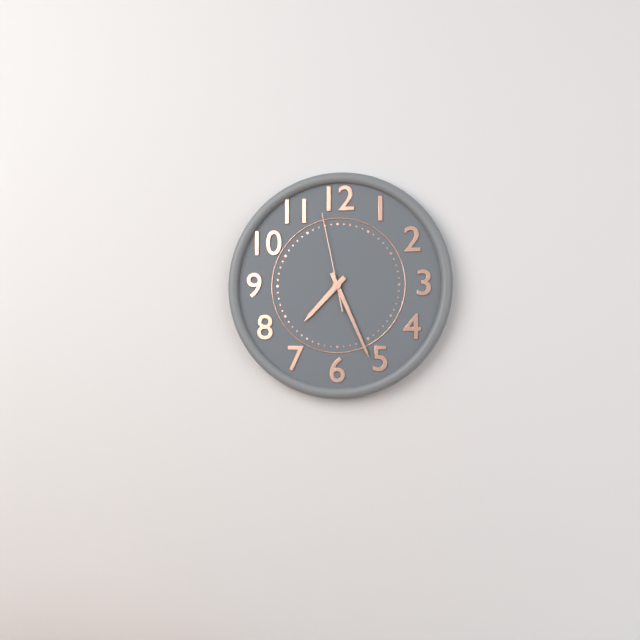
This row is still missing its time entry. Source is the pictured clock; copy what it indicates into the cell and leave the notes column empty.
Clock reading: 7:26:58
